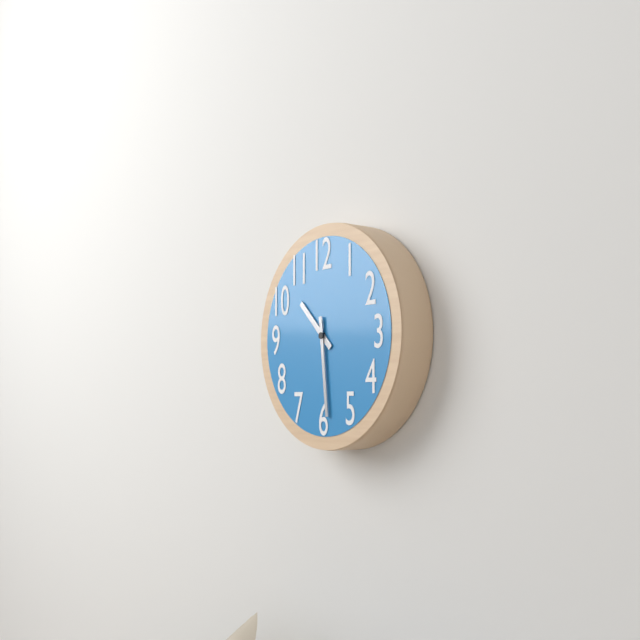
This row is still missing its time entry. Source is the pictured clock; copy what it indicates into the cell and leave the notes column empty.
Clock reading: 10:29
